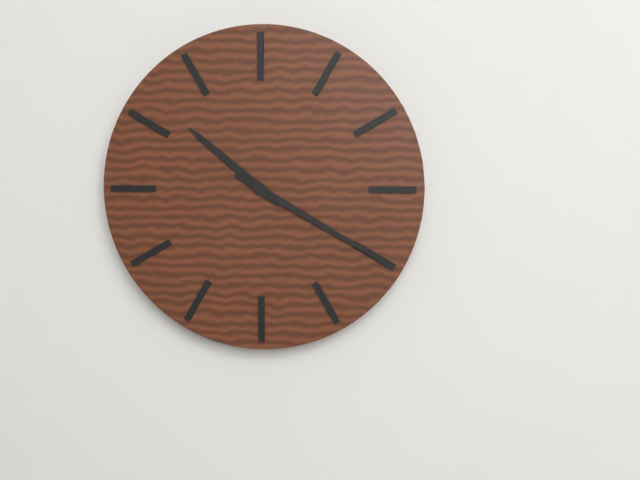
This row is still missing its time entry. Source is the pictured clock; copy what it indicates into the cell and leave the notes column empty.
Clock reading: 10:20
